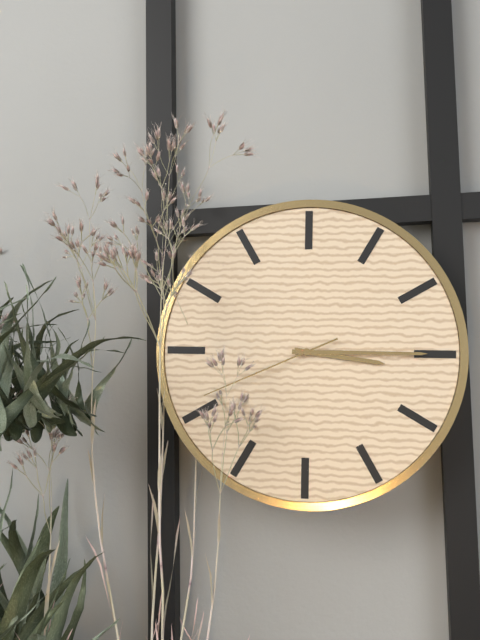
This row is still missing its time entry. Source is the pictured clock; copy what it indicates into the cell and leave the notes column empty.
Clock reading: 3:15:41
